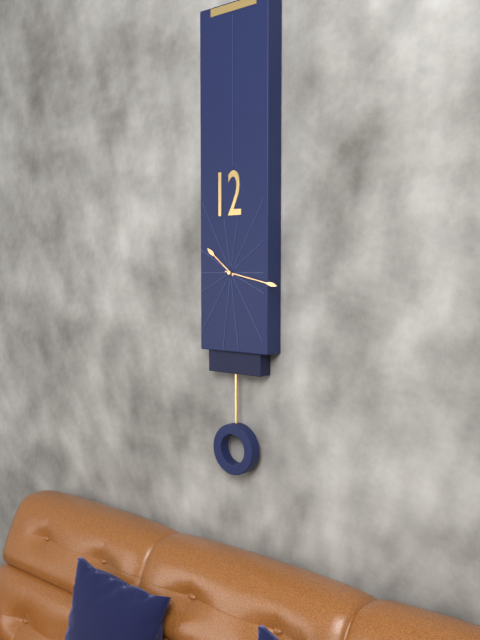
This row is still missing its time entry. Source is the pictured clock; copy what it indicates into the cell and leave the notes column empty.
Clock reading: 10:17
